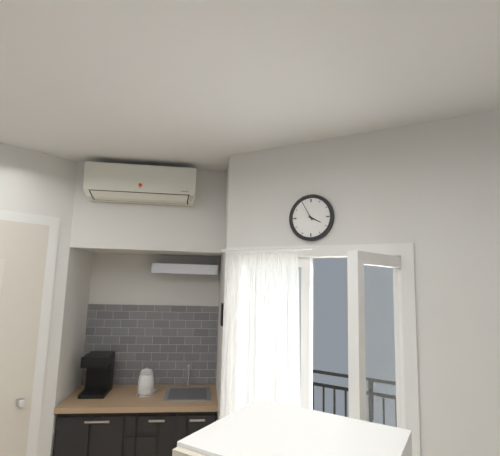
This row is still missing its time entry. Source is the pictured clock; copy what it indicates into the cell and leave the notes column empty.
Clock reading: 3:55
